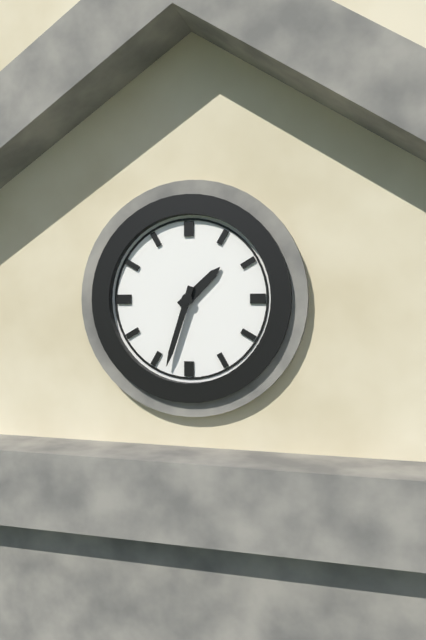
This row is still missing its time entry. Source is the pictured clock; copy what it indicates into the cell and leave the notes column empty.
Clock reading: 1:33
